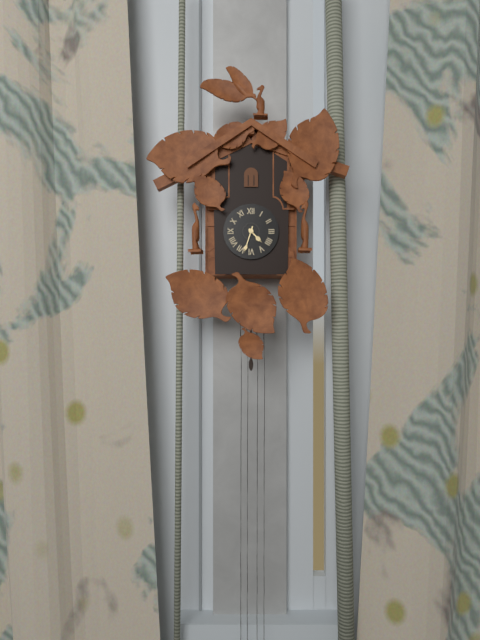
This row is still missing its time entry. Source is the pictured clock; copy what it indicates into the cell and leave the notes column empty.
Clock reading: 4:33
